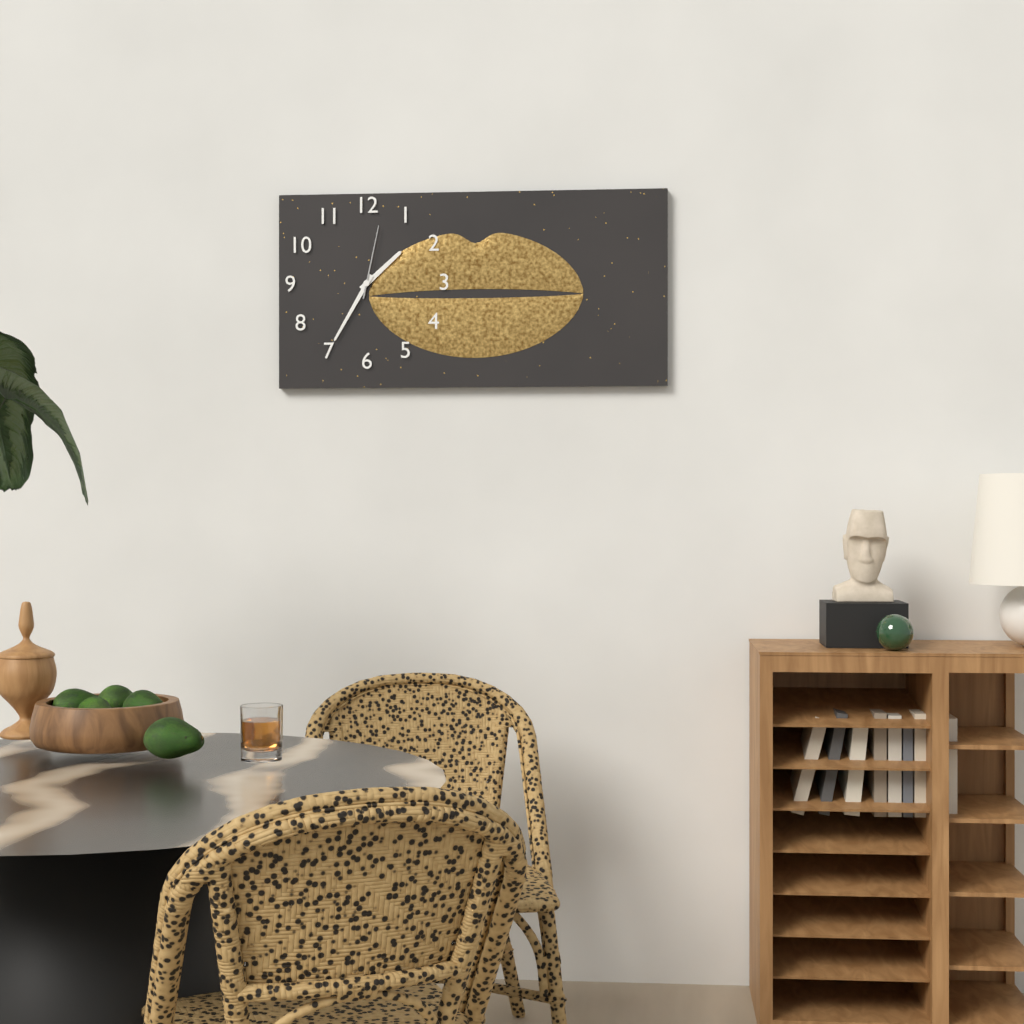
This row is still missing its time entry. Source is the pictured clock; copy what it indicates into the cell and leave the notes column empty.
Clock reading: 1:35:02
